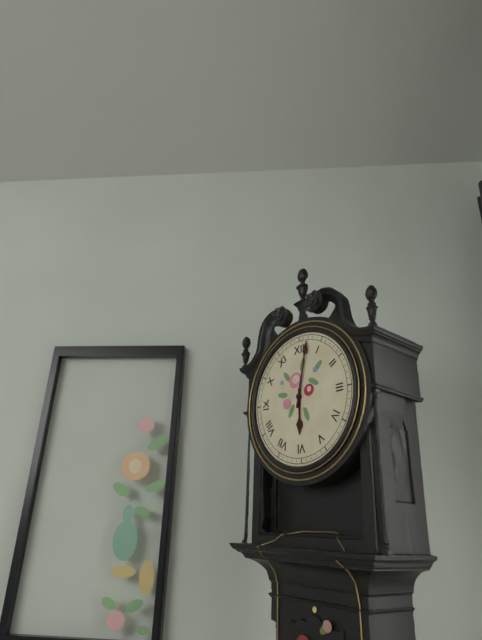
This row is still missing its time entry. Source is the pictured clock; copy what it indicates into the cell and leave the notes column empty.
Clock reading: 6:02
